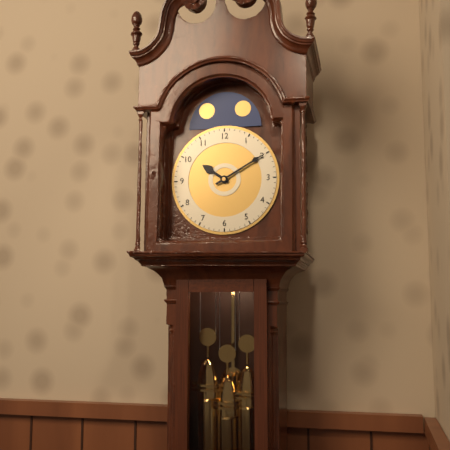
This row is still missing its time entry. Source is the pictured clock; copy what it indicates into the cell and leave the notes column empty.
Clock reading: 10:10
